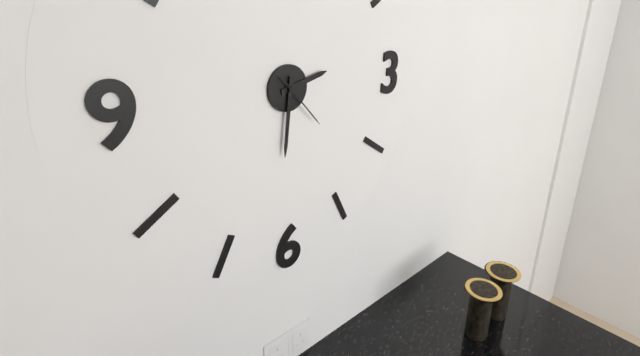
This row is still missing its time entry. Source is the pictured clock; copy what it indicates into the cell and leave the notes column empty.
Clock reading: 2:31:23
